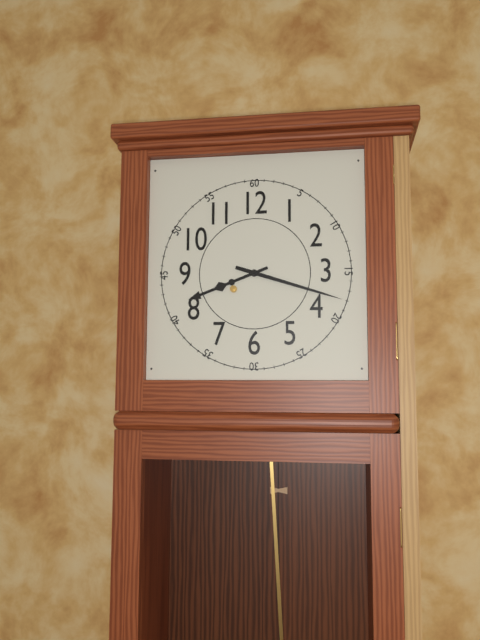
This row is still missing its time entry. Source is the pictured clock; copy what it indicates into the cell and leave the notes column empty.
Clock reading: 8:18
